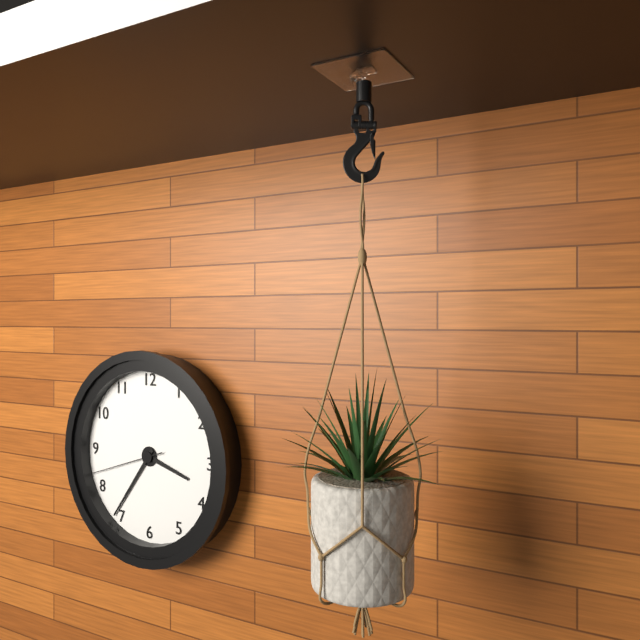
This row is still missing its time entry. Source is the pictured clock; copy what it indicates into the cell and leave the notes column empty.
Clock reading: 3:36:42
